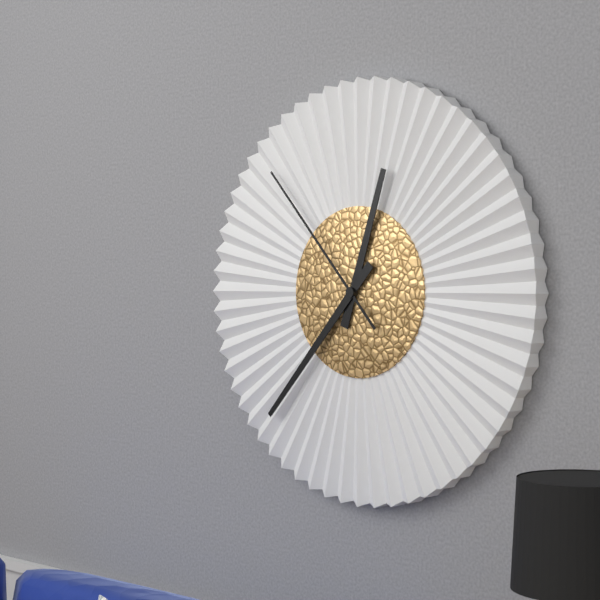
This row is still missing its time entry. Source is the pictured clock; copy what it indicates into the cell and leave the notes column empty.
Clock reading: 12:37:53
